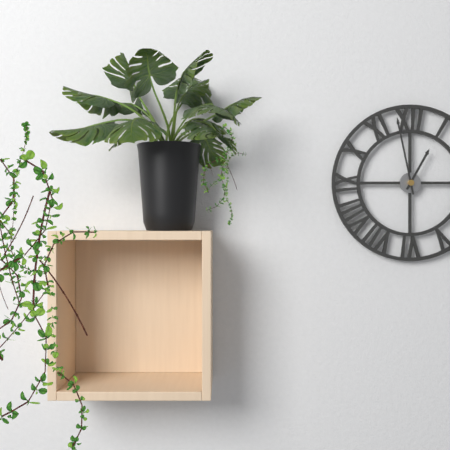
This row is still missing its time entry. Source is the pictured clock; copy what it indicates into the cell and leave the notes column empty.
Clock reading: 12:58
